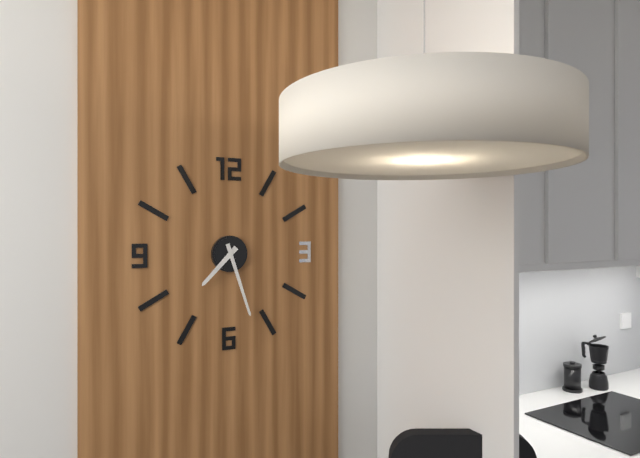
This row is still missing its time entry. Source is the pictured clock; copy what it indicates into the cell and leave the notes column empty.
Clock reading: 7:27
